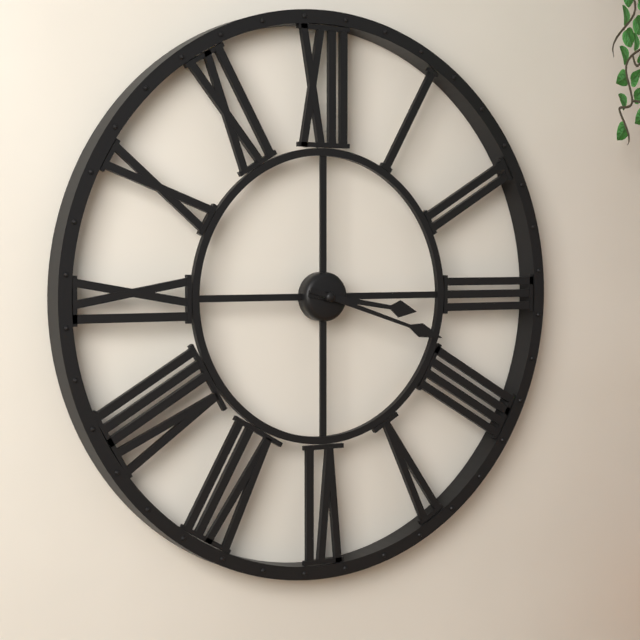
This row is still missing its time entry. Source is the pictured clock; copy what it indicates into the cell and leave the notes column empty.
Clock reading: 3:18
